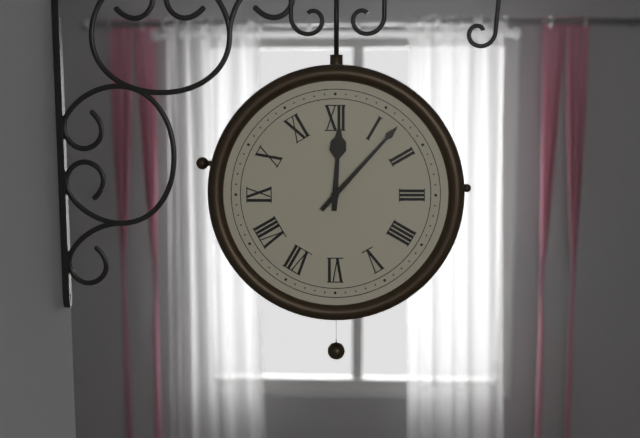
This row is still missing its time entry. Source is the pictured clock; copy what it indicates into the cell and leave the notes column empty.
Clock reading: 12:07
